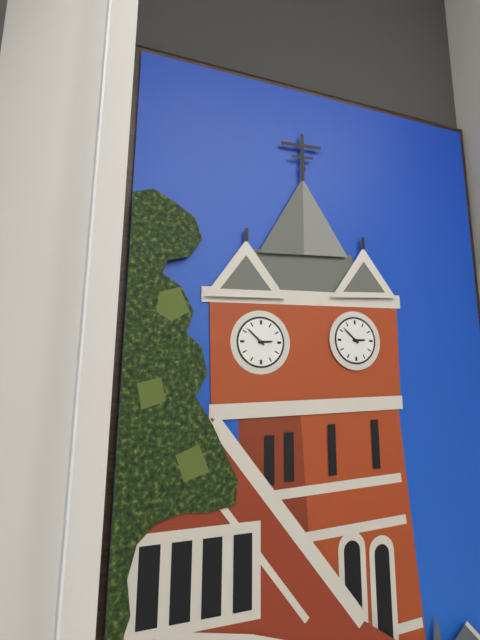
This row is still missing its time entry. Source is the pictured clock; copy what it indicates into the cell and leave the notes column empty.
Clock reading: 2:52
